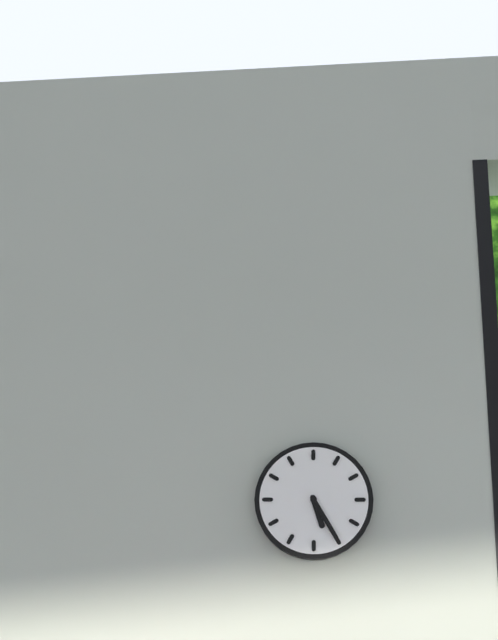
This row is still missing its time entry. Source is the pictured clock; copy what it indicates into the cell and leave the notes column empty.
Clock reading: 5:25
